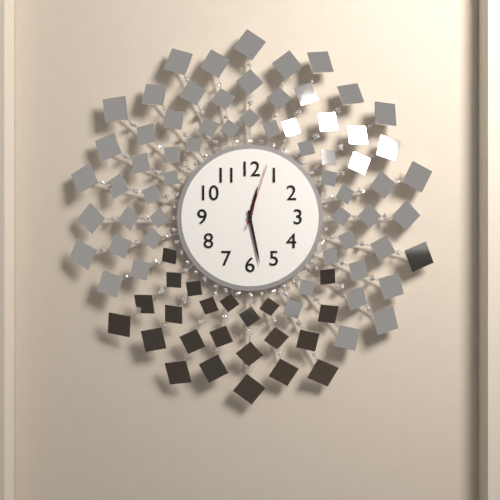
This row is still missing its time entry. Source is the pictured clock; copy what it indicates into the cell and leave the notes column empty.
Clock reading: 12:28:03
